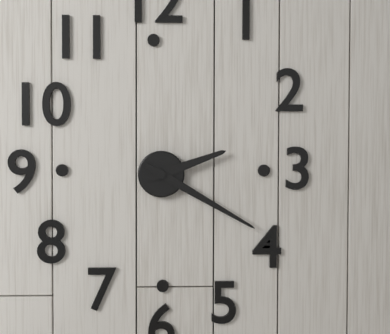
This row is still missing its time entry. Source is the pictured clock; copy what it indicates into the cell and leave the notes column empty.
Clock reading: 2:20
